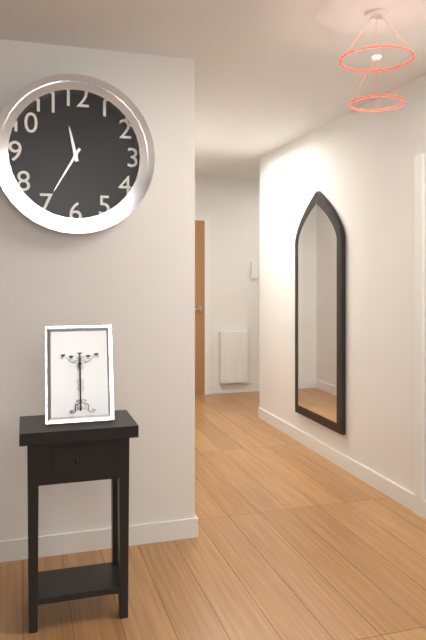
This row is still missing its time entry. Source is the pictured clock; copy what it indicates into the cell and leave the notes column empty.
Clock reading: 11:35
